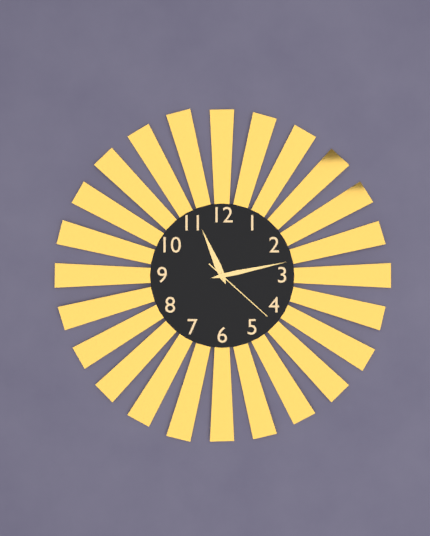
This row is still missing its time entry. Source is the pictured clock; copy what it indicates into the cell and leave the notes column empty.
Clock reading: 11:13:22
